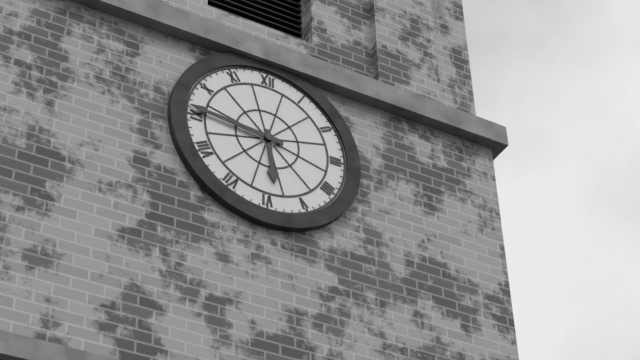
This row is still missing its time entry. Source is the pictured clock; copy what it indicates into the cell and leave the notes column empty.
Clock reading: 5:46
